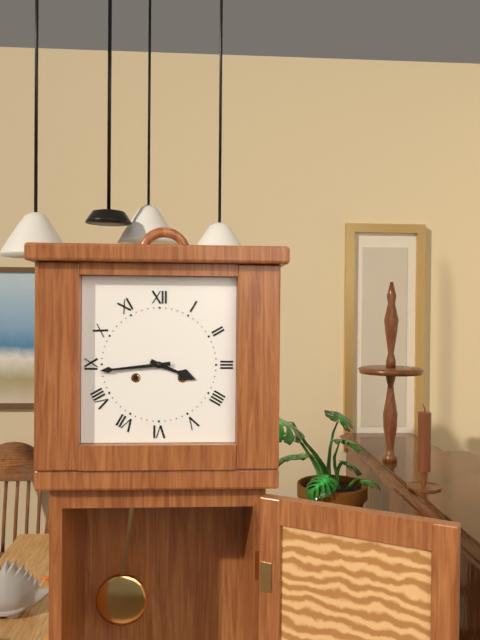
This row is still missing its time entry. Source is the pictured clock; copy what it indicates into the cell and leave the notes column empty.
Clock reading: 3:44
